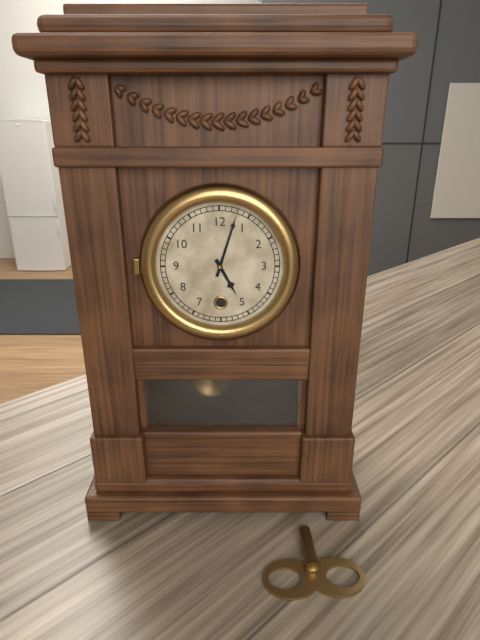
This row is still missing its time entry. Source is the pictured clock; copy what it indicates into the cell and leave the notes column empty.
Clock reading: 5:03
